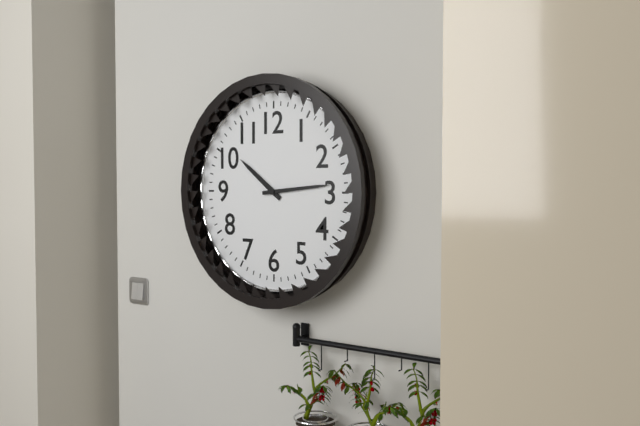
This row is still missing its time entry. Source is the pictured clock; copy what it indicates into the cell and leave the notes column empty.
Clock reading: 10:14
